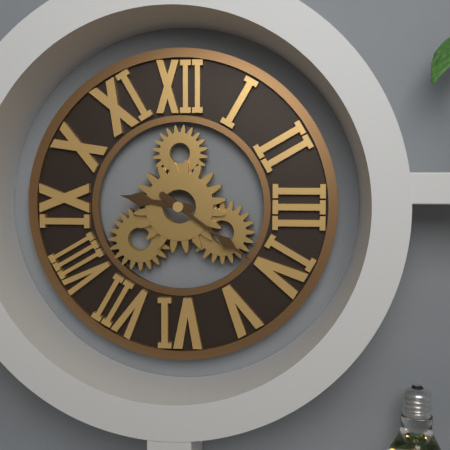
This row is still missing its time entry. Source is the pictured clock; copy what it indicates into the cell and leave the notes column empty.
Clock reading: 9:21
